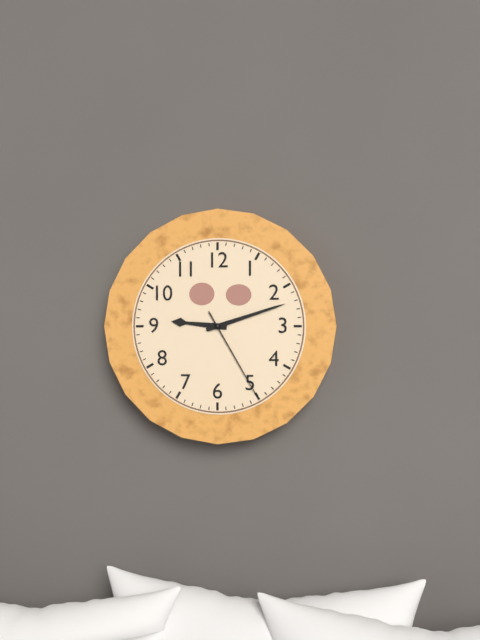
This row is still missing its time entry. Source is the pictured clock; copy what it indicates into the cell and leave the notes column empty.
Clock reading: 9:12:25
